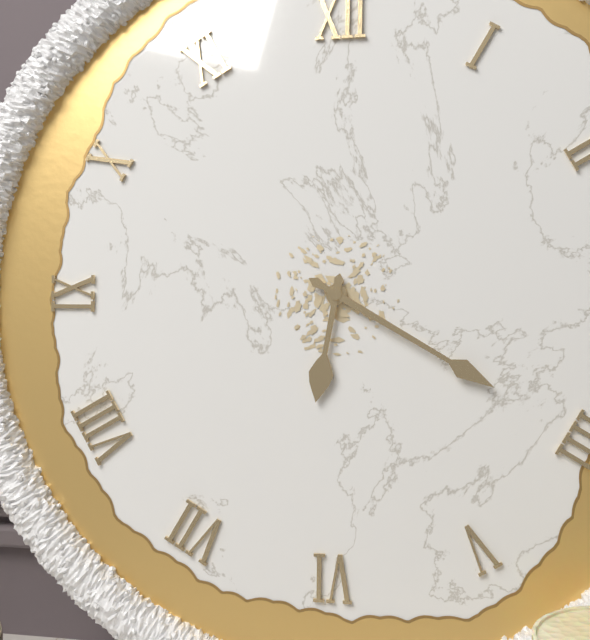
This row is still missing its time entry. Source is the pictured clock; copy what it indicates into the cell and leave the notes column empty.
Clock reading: 6:20
